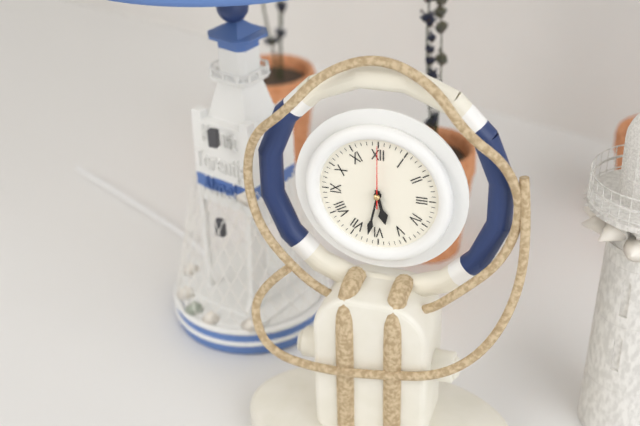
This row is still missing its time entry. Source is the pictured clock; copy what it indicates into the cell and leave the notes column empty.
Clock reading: 5:32:00
